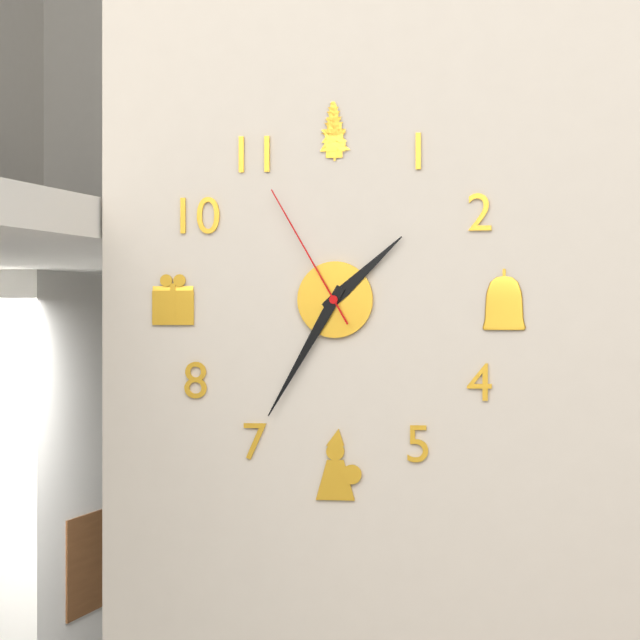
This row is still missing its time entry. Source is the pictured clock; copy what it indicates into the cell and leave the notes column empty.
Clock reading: 1:35:55
